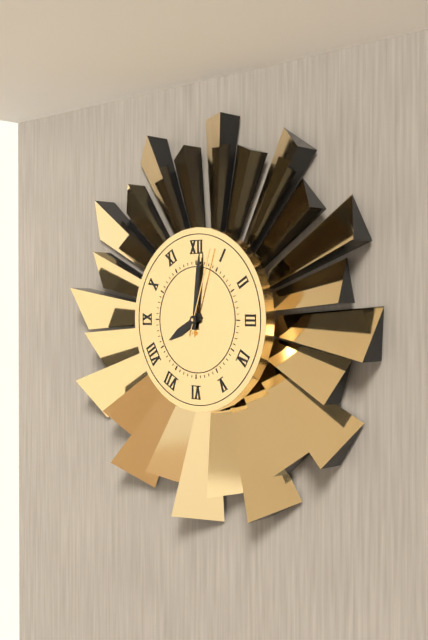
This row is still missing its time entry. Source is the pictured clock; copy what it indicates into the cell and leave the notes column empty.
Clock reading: 8:01:03
